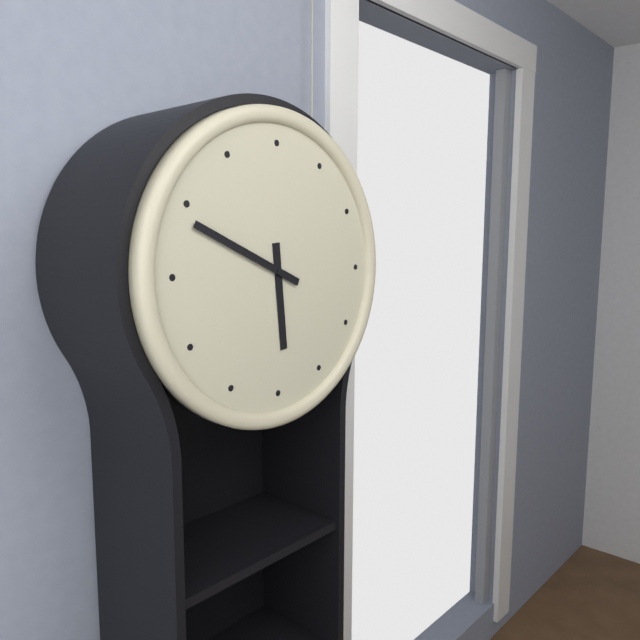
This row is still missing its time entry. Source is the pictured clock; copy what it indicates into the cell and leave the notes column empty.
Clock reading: 5:49
